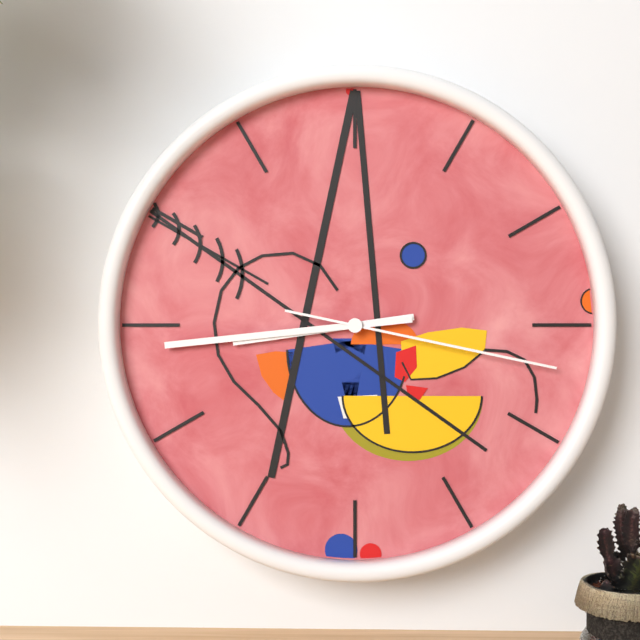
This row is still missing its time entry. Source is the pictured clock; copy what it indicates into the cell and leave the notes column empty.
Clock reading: 8:44:17
